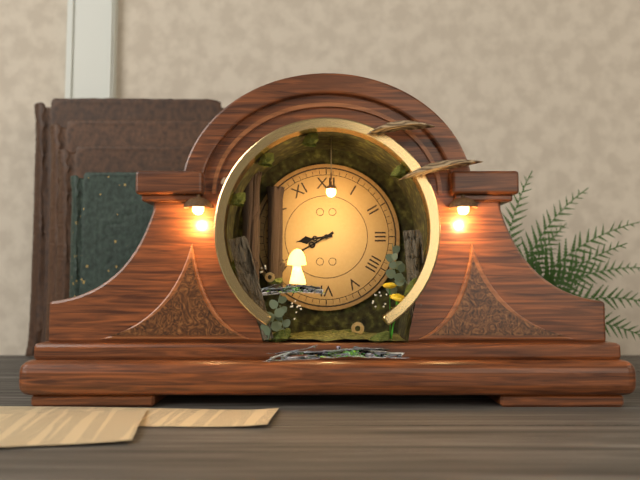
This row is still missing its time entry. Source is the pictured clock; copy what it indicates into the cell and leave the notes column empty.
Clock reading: 8:40
